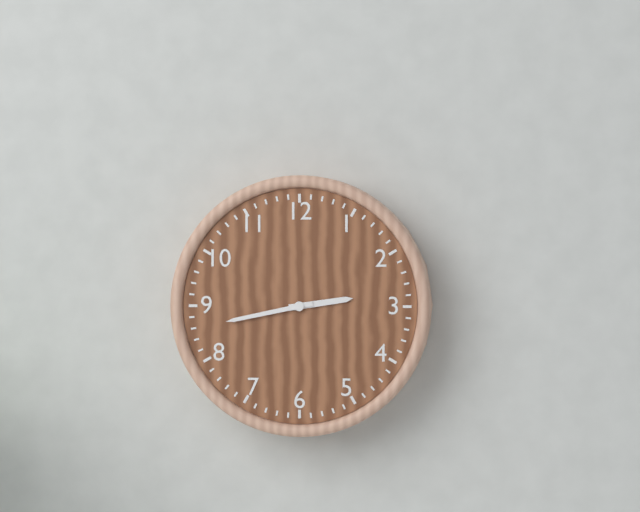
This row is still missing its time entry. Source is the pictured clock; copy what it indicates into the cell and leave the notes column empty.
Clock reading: 2:43
